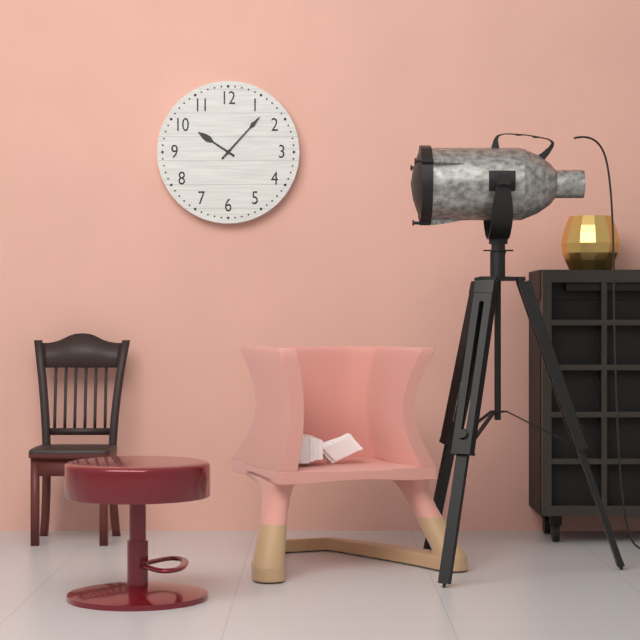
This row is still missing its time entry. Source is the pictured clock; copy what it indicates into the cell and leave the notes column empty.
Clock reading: 10:07
